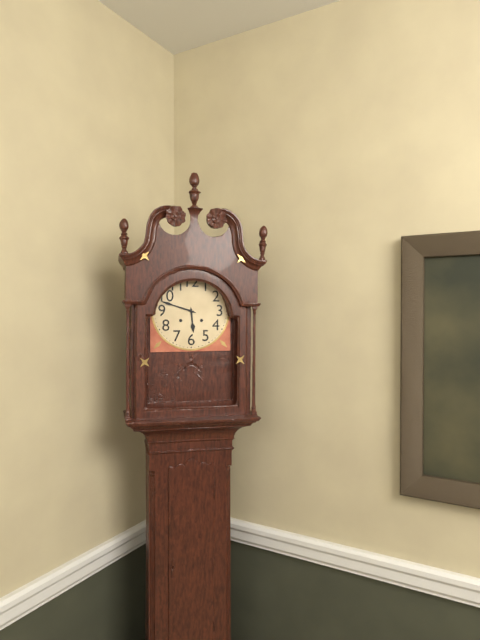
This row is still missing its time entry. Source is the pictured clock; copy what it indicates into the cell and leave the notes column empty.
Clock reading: 5:48
